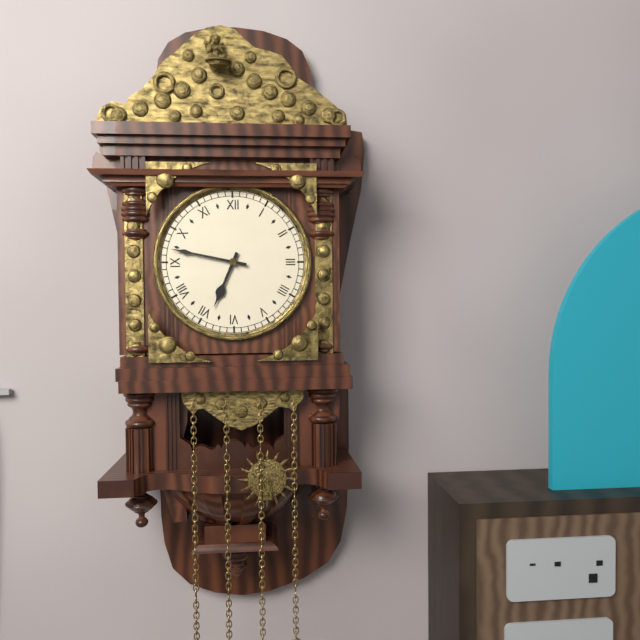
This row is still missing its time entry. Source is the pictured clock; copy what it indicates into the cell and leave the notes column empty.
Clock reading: 6:47
